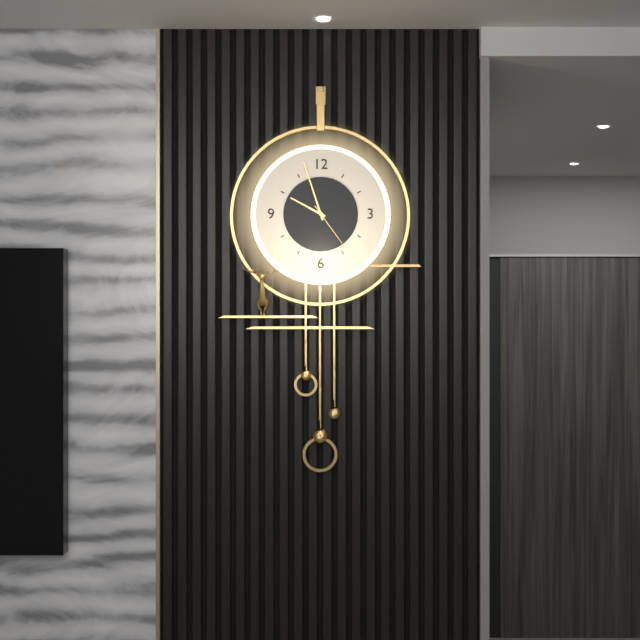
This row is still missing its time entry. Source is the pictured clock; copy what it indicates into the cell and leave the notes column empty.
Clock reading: 9:57:24
